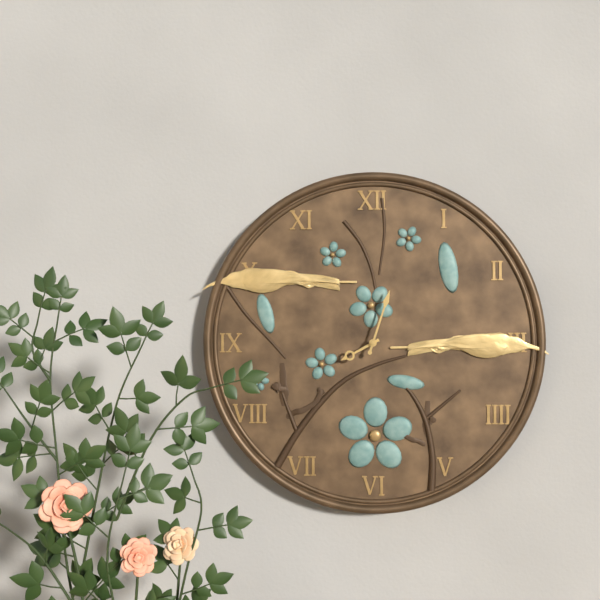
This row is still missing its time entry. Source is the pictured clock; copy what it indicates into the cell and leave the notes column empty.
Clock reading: 8:03
